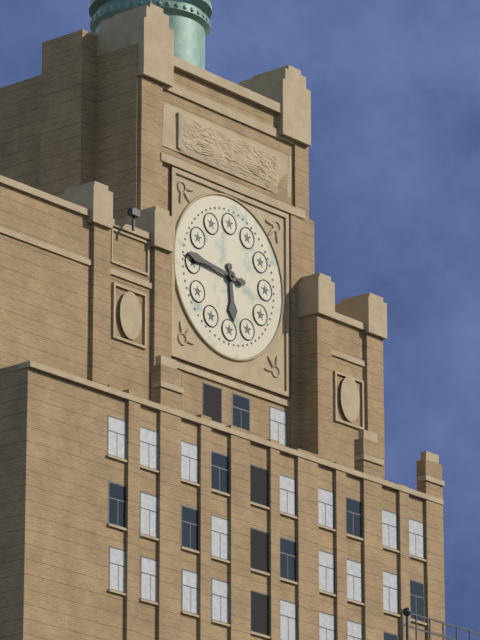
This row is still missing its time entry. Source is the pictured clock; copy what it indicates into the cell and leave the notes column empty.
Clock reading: 5:46
